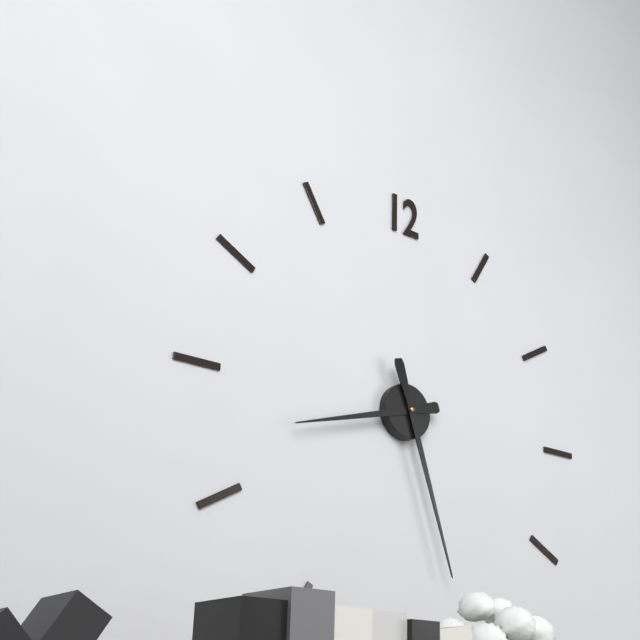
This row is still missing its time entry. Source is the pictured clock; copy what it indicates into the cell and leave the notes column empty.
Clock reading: 8:27
